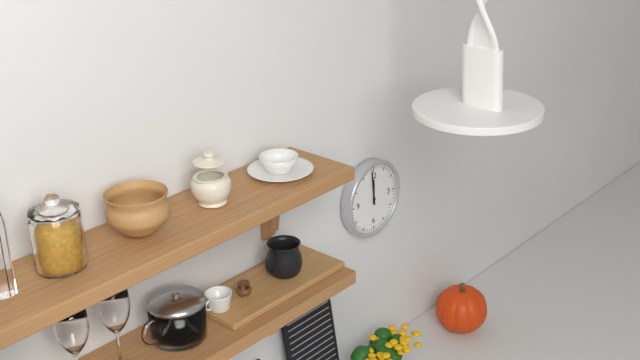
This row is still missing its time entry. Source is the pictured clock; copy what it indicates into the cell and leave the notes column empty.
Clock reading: 11:59
